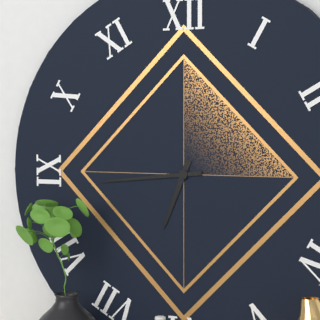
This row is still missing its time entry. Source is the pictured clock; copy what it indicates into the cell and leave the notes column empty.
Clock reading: 6:44
